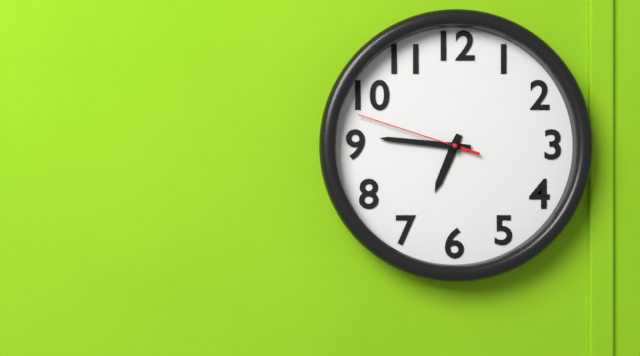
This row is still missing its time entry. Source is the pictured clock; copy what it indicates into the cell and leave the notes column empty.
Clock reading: 6:46:48
